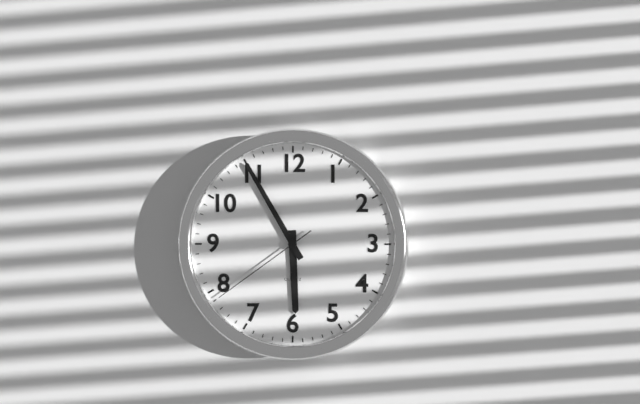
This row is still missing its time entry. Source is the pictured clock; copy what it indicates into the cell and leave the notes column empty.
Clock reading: 5:55:39
